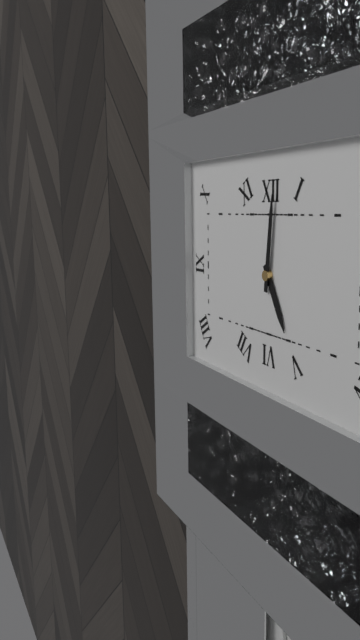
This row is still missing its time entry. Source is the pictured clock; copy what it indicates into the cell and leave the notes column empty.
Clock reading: 5:01
